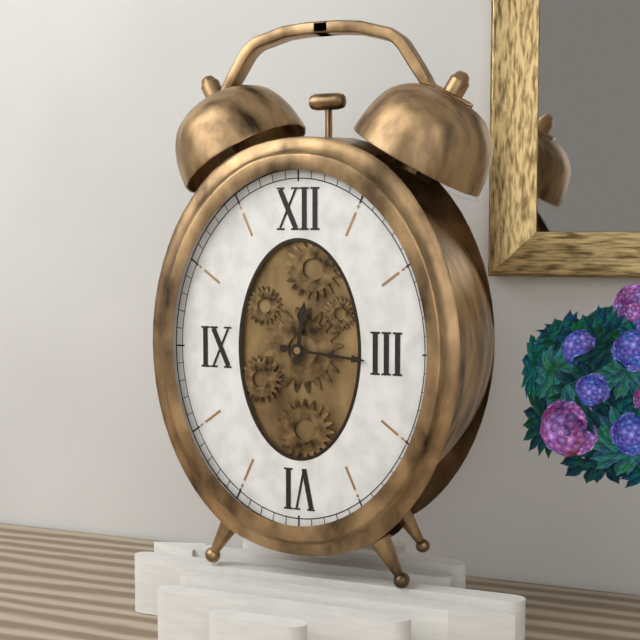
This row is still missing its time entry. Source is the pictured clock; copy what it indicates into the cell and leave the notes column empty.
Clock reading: 12:16
